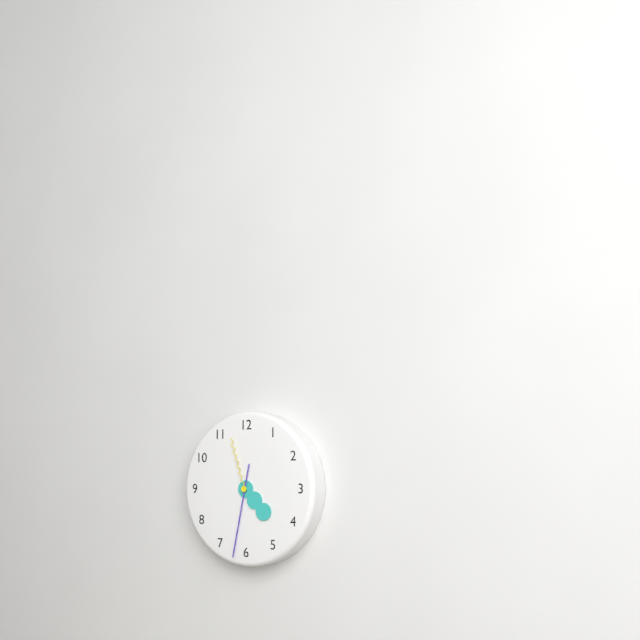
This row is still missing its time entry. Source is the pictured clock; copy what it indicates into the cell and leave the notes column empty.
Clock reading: 4:32:57
